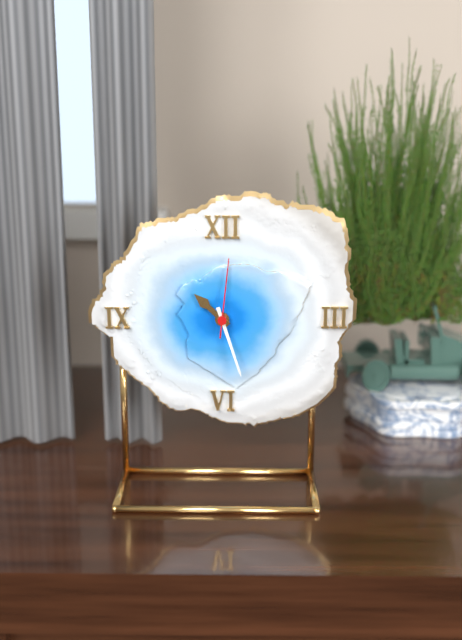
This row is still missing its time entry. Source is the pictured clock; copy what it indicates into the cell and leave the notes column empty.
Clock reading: 10:27:01
